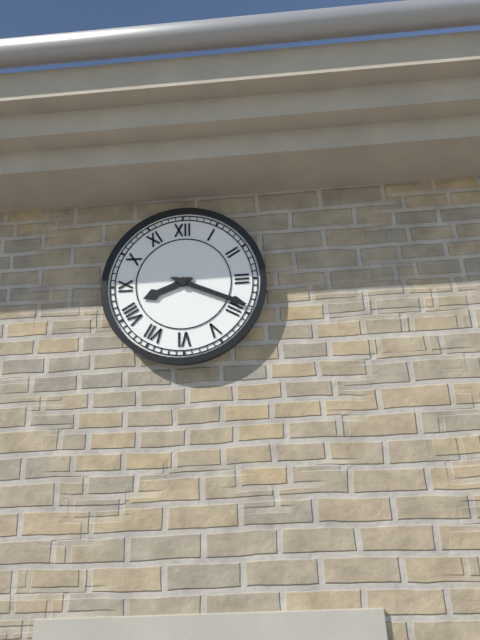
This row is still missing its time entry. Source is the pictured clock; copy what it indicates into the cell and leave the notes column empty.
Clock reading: 8:19
